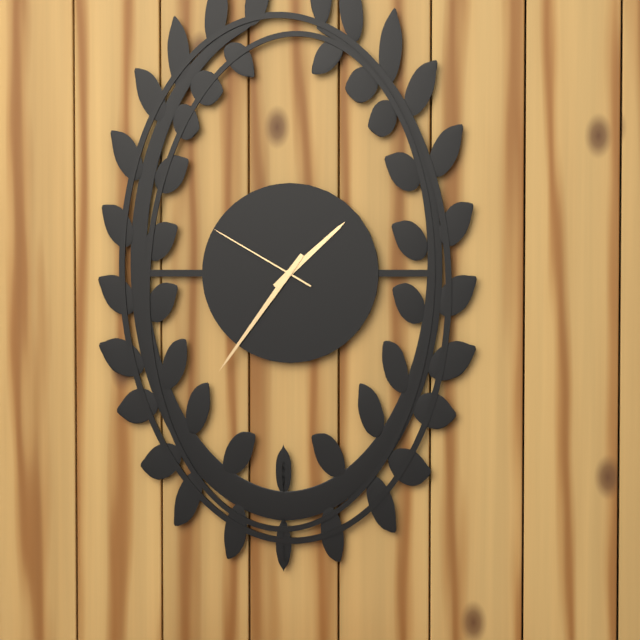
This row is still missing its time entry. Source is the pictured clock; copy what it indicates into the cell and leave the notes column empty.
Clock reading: 1:36:50
